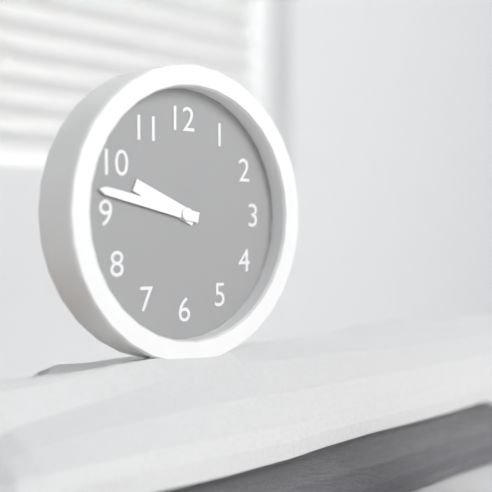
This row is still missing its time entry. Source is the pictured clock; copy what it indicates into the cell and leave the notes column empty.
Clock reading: 9:47
